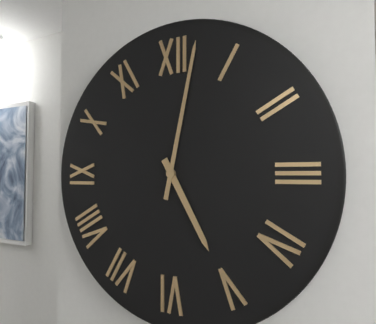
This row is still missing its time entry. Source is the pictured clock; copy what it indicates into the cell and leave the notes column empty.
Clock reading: 5:02
